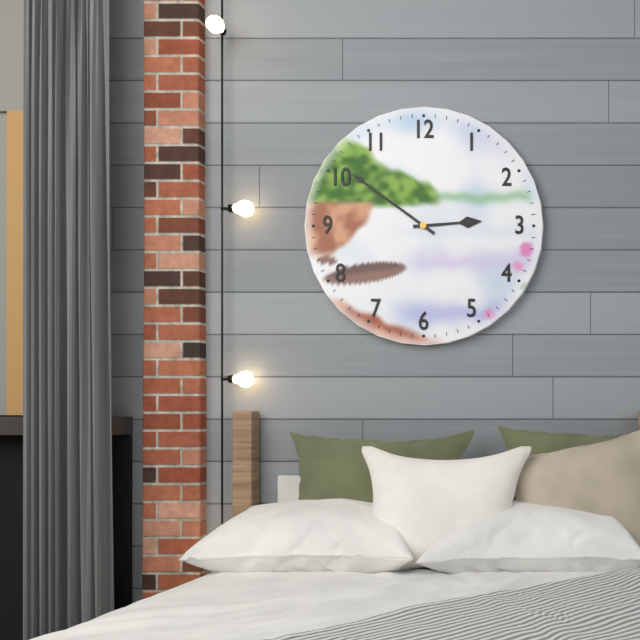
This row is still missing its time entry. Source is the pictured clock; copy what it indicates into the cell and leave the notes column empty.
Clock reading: 2:51
